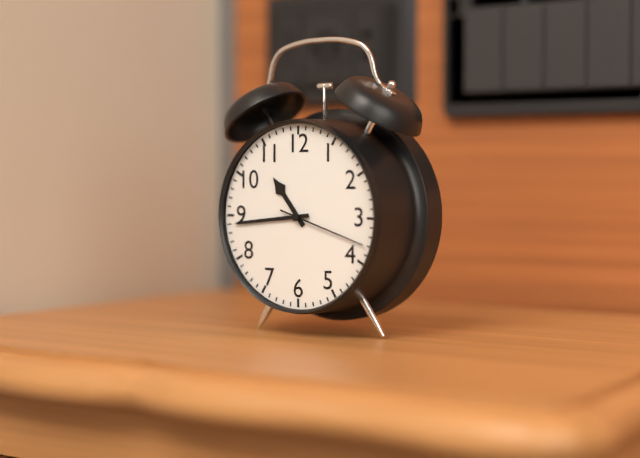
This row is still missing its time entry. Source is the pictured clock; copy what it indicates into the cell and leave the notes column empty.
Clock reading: 10:44:18
